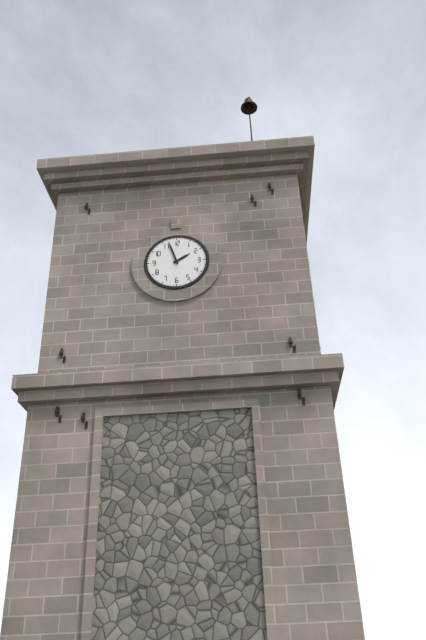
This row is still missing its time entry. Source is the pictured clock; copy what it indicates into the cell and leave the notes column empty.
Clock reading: 1:57
